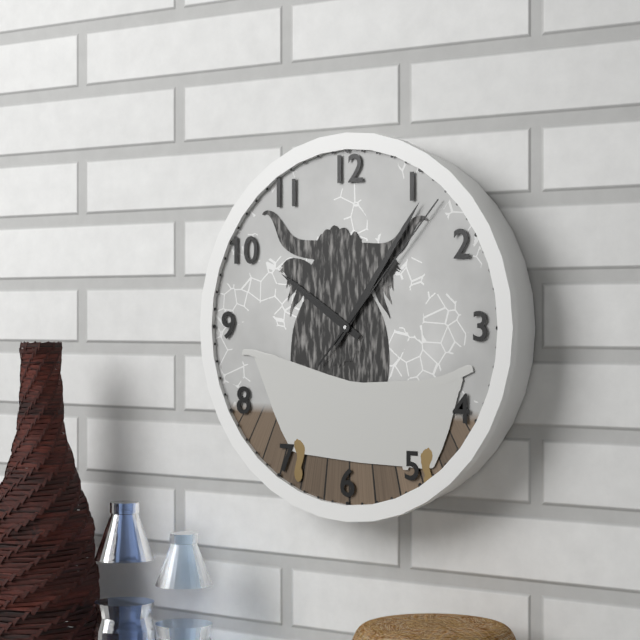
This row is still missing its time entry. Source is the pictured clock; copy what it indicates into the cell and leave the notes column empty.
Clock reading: 10:06:07
